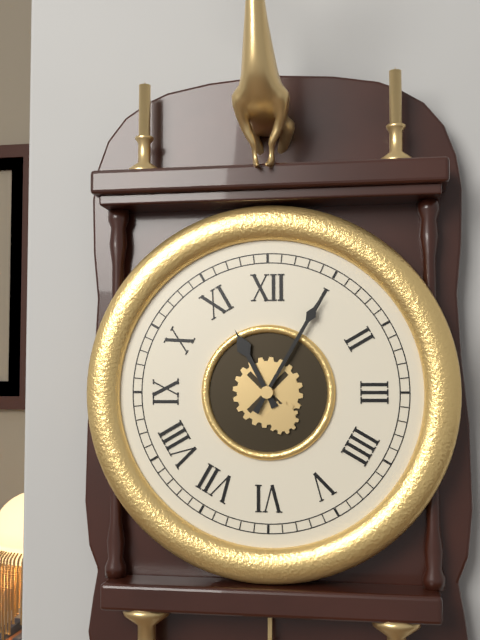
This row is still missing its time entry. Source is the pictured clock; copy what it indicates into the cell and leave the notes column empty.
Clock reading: 11:05
